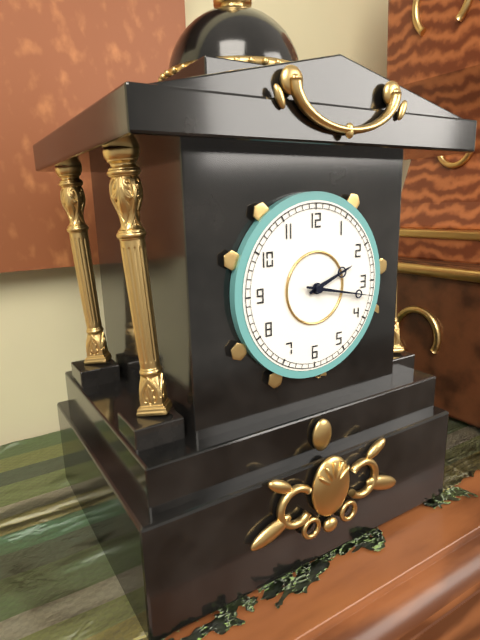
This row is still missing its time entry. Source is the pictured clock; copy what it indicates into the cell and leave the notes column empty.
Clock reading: 2:17
